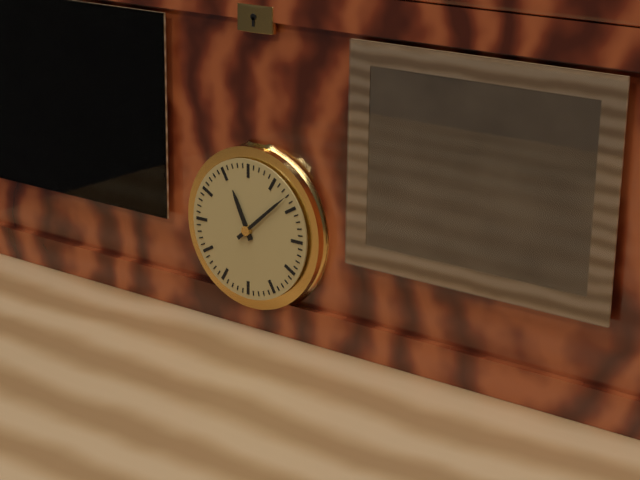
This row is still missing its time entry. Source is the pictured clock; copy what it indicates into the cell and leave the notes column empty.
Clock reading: 11:08
